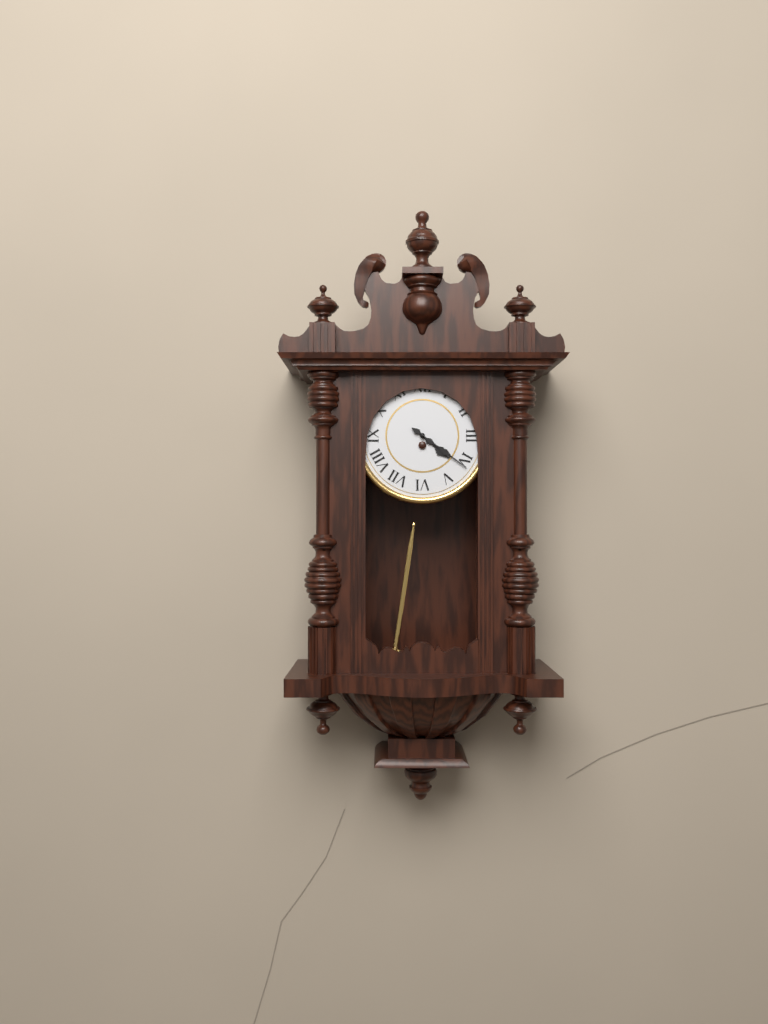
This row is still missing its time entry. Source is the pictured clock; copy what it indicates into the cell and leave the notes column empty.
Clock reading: 4:21
